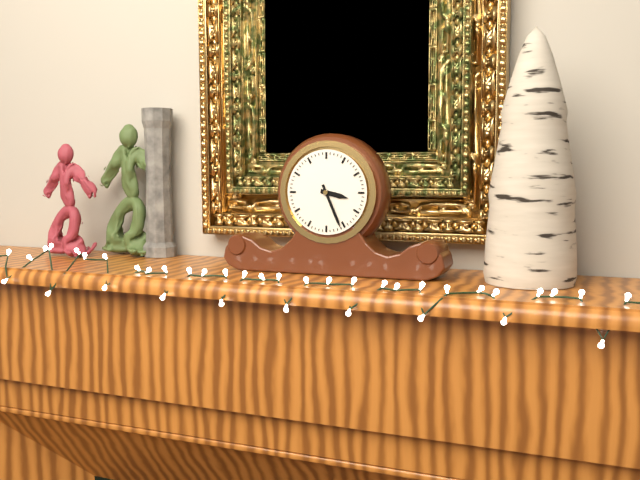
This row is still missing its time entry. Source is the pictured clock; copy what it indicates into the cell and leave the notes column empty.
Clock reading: 3:26
